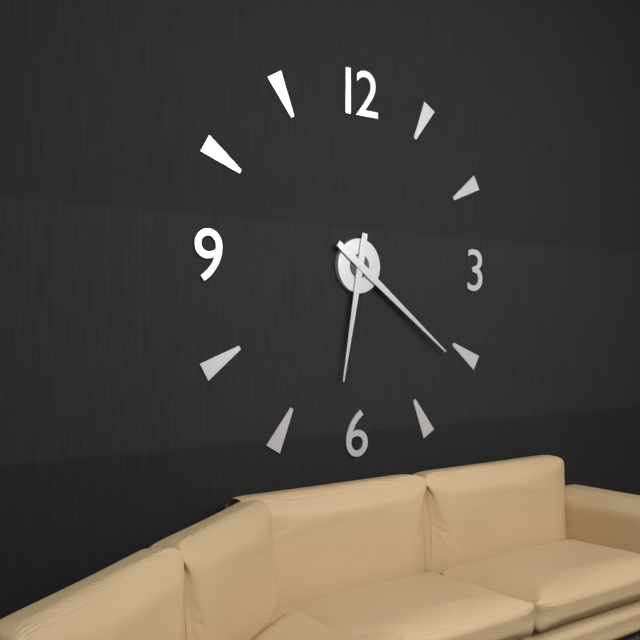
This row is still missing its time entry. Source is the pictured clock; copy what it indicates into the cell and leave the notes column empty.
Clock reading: 6:21
